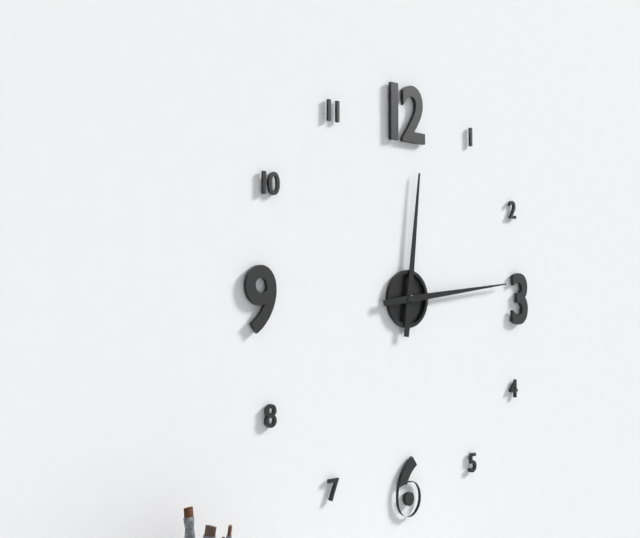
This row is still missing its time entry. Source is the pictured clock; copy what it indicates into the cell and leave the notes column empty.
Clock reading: 12:14
